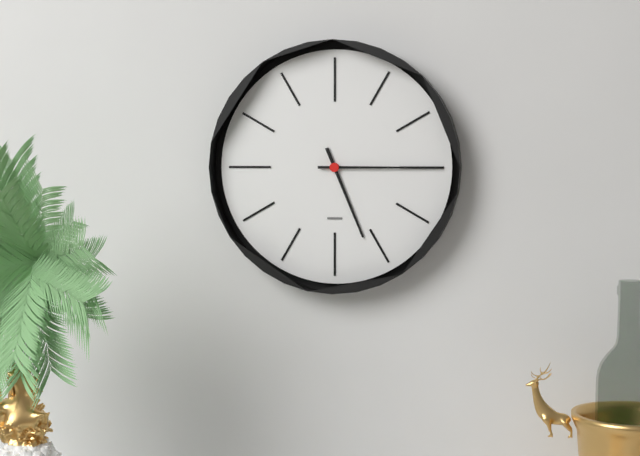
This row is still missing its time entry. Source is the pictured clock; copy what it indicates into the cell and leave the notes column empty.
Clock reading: 5:15
